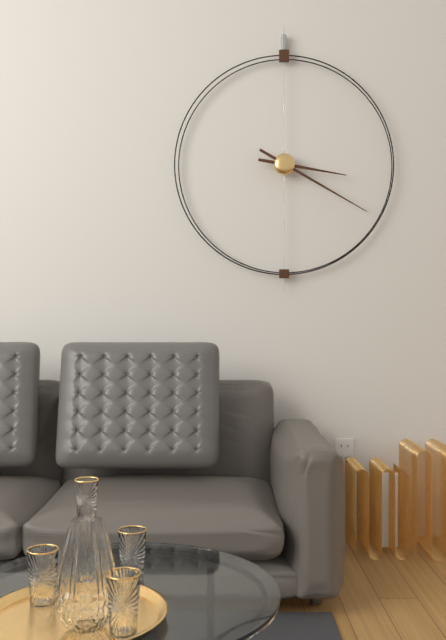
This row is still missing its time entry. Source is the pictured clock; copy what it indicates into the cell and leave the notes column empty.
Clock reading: 3:20
